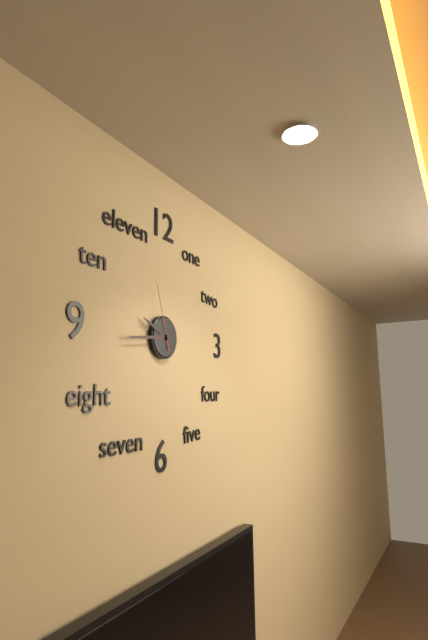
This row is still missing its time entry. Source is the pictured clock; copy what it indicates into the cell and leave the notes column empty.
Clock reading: 9:44:57
